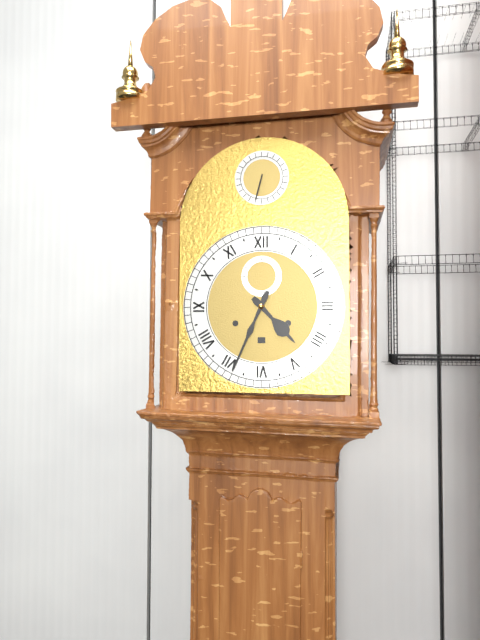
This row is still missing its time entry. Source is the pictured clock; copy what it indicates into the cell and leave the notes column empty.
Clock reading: 4:34
